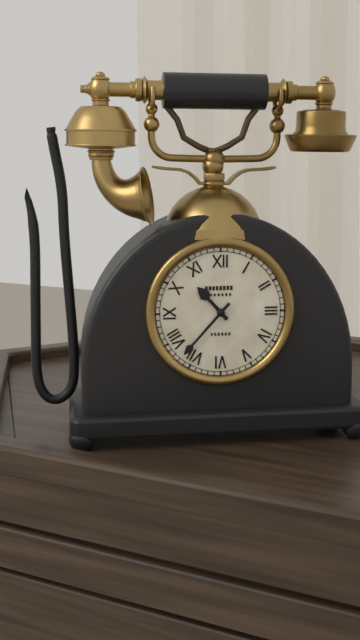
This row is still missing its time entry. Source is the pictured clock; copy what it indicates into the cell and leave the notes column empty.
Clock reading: 10:37
